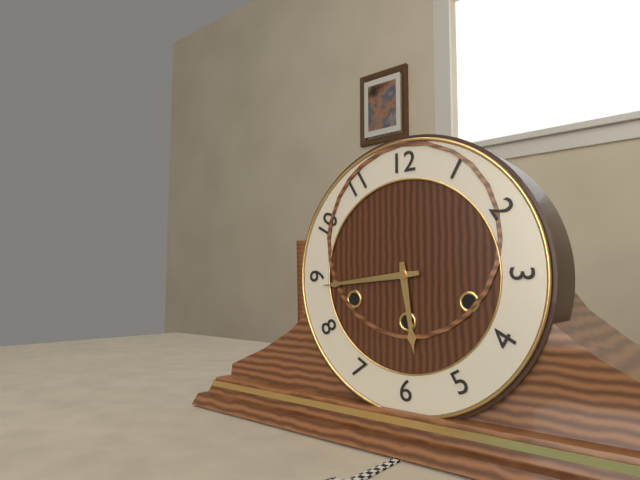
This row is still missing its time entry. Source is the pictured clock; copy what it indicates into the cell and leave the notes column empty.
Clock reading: 5:44
